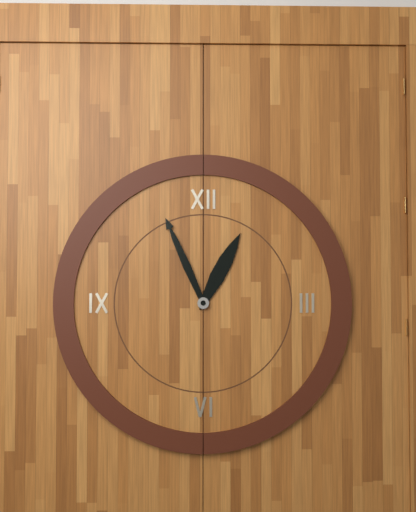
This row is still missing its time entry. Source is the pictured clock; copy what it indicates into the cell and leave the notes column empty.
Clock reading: 12:56
